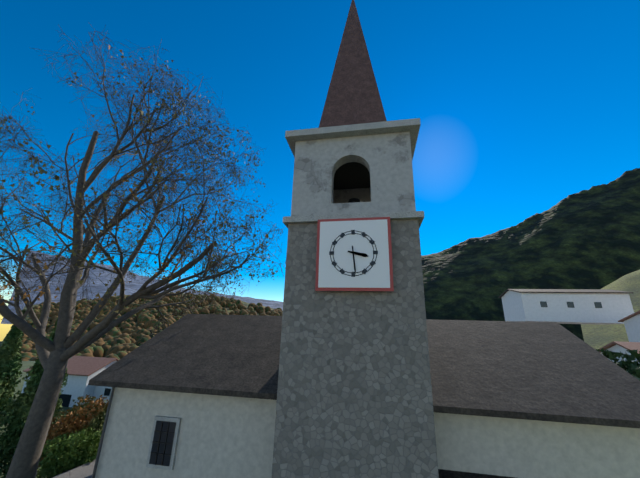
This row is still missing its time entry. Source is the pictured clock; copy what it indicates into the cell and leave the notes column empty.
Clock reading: 3:29
